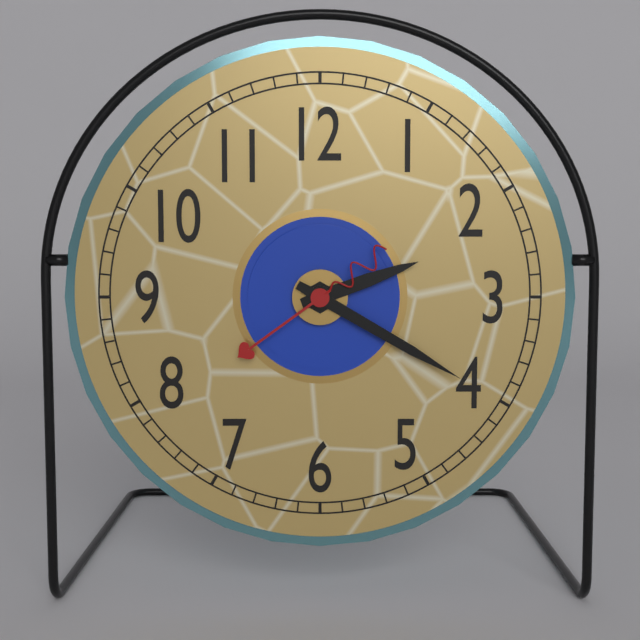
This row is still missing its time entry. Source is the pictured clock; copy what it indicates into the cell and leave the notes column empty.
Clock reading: 2:20:39
